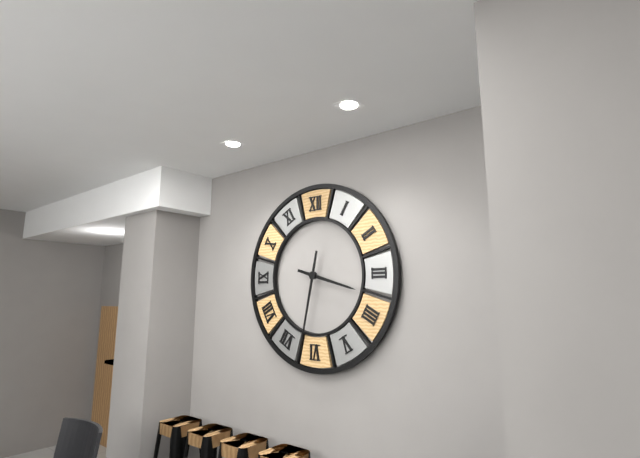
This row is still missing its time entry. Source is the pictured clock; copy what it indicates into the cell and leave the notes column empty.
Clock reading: 3:32
